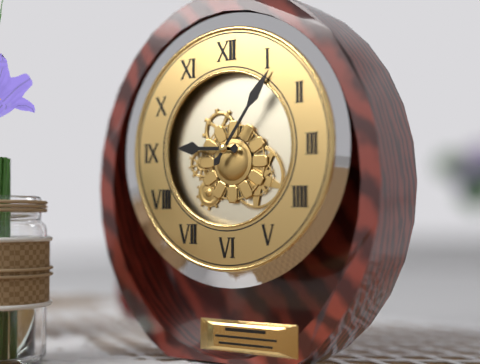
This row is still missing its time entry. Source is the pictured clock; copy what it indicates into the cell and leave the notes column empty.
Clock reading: 9:06
